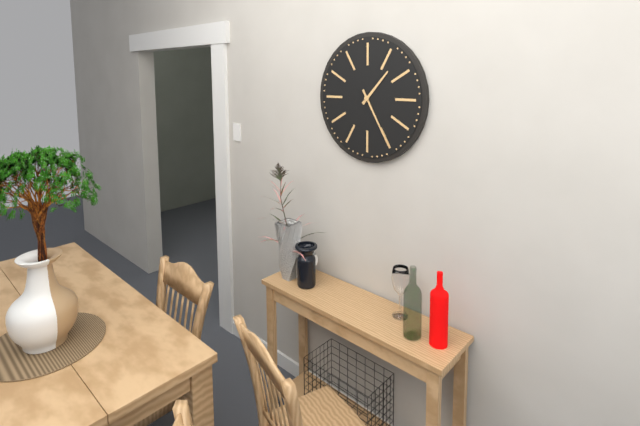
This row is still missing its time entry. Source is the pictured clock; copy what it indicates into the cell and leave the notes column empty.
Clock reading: 1:25
